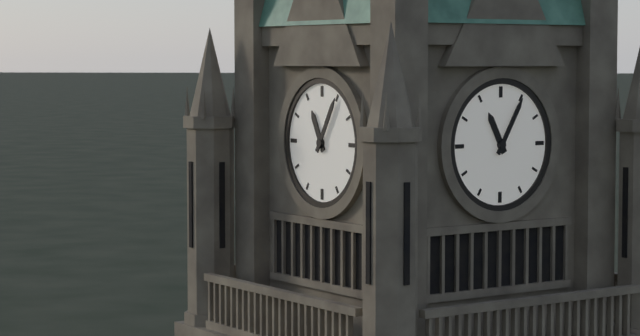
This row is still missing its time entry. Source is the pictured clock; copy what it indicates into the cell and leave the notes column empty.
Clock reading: 11:05
